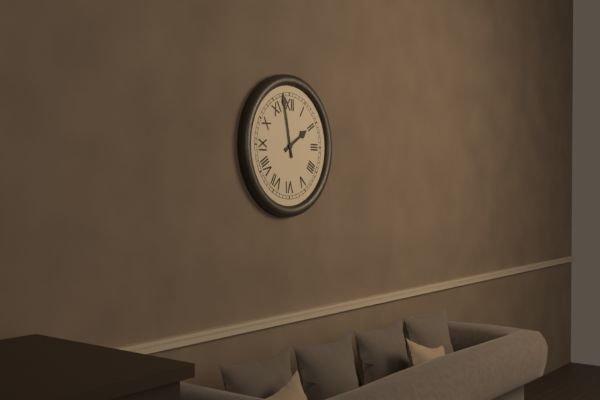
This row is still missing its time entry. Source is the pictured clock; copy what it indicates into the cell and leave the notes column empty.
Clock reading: 1:58
